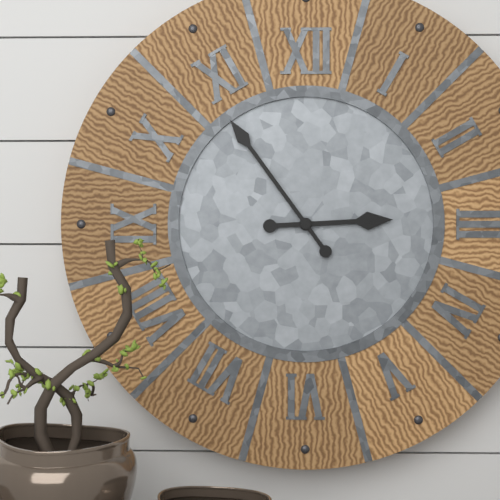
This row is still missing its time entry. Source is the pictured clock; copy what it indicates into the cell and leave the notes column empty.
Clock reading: 2:54
